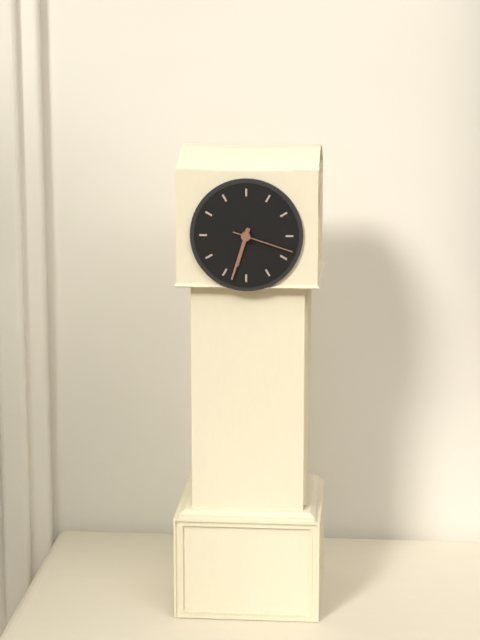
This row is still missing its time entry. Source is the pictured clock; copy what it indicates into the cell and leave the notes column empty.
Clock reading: 6:33:18
